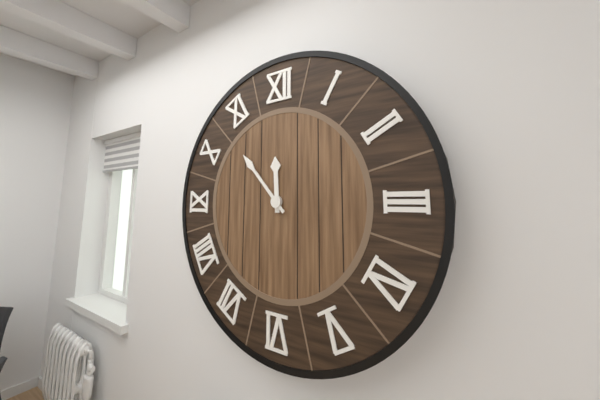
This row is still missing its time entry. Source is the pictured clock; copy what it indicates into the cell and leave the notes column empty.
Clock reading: 11:53
